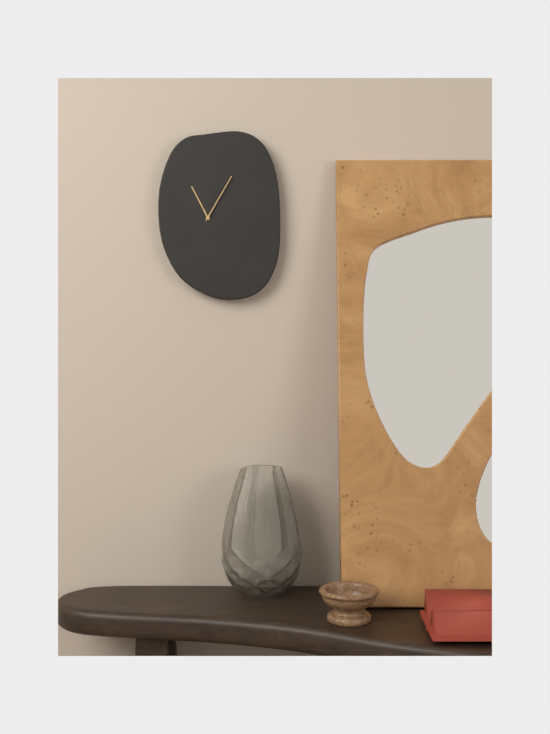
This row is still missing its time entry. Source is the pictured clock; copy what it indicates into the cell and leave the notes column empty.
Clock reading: 11:05
